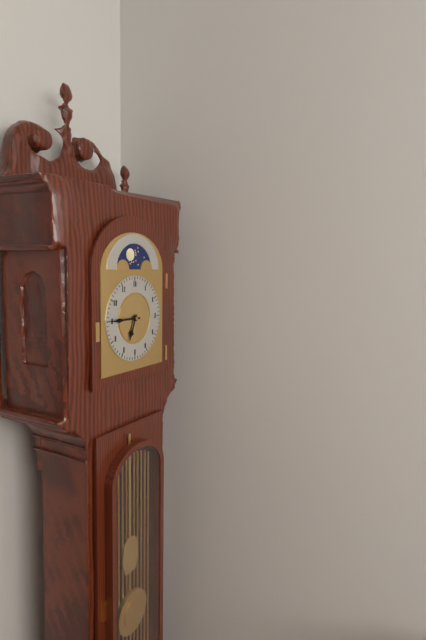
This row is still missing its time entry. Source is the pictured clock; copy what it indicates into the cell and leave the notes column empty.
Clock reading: 6:45
